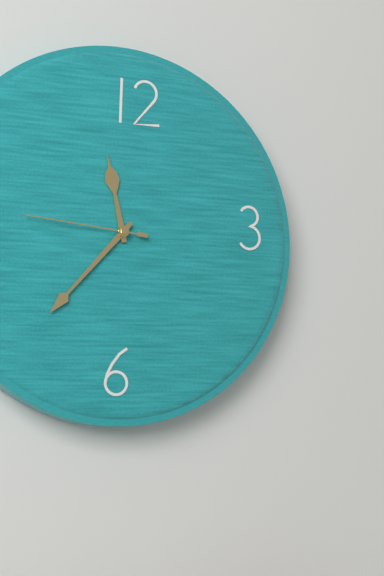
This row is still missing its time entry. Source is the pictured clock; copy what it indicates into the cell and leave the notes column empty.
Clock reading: 11:37:46
